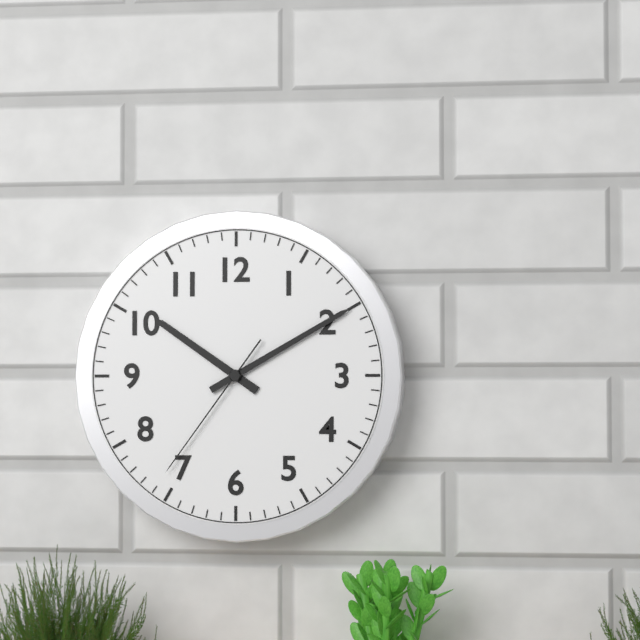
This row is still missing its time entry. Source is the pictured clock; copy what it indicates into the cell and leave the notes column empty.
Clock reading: 10:10:36
